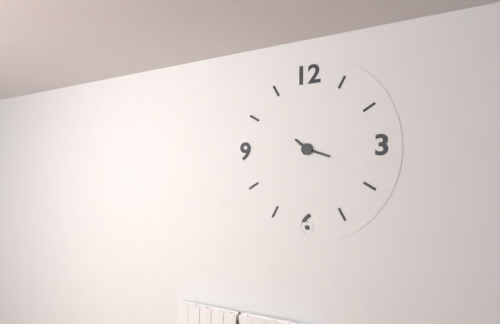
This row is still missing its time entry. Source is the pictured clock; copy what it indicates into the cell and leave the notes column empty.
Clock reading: 10:18
